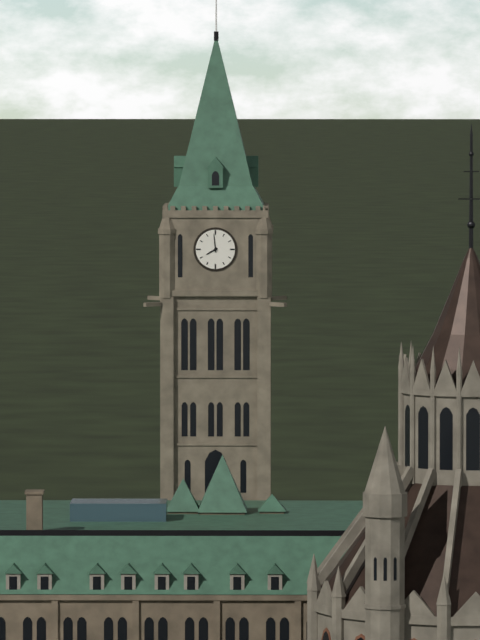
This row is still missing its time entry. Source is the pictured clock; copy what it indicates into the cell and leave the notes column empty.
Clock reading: 7:59
